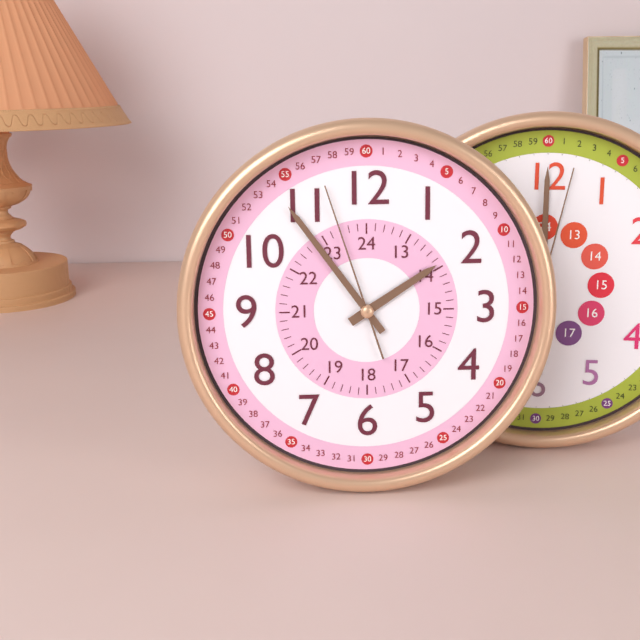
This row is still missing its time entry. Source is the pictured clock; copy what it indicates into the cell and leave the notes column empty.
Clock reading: 1:54:57
